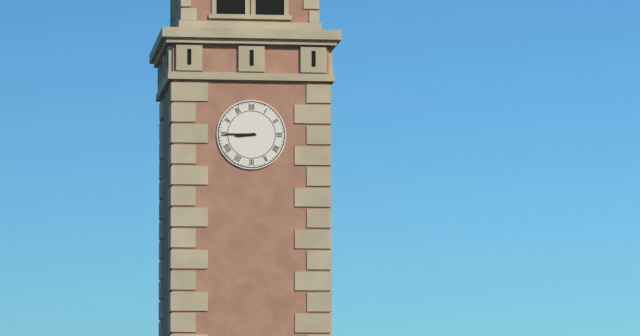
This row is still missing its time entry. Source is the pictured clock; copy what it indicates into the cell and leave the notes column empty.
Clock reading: 8:45
